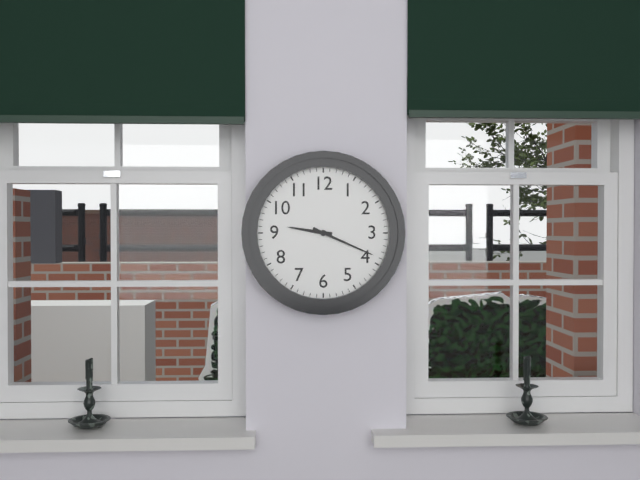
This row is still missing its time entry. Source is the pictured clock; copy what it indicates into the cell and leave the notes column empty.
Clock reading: 9:19
